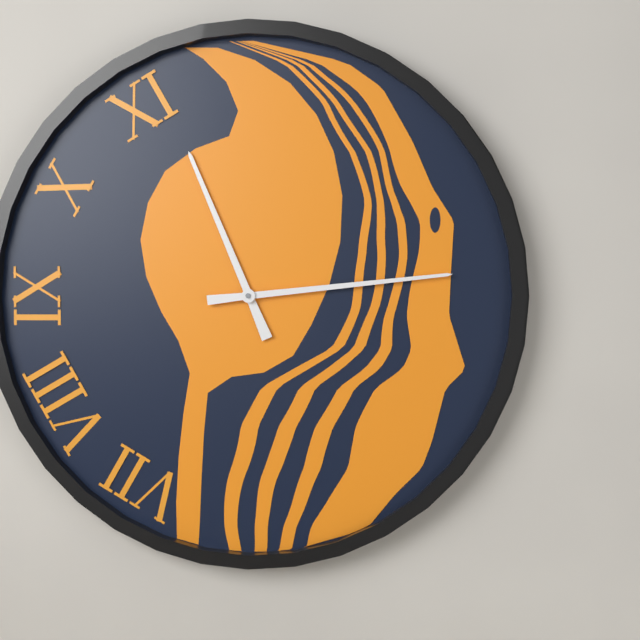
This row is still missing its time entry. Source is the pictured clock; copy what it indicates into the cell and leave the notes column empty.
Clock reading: 11:14
